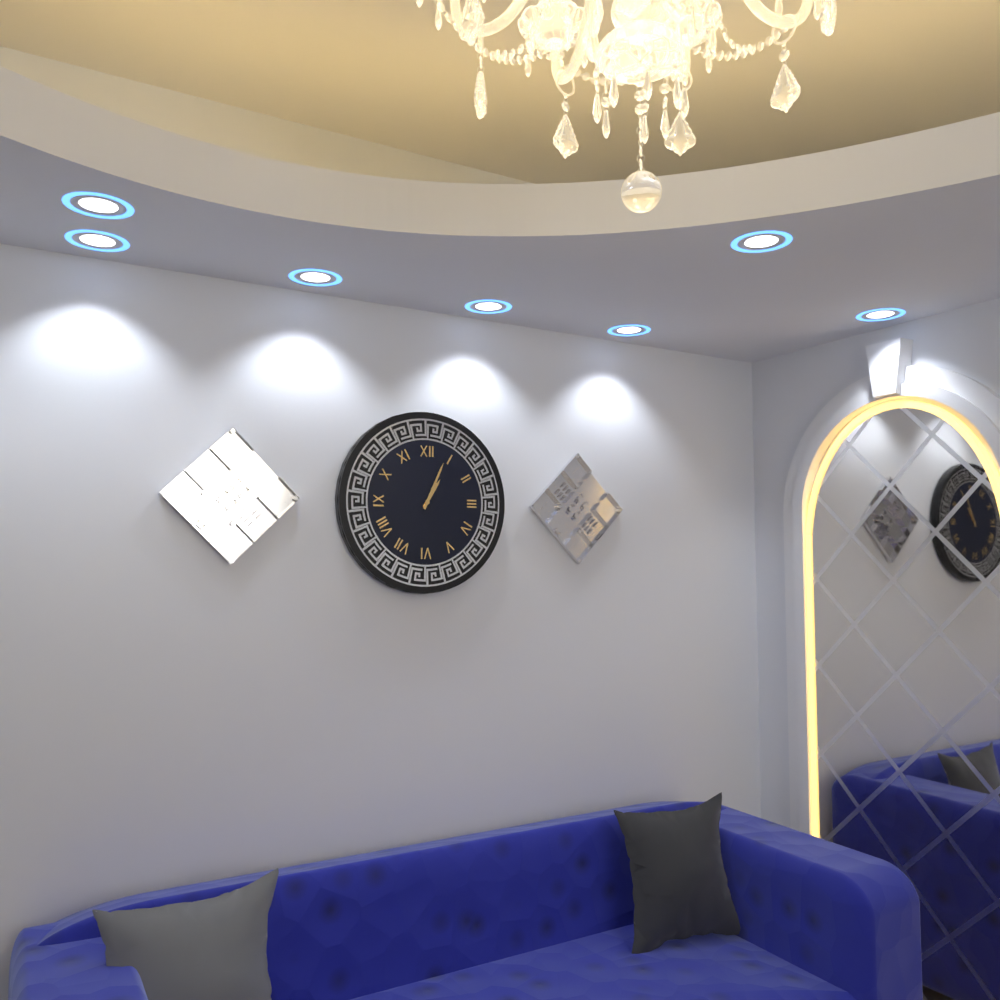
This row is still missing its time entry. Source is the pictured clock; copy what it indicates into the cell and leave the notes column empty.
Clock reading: 1:04
